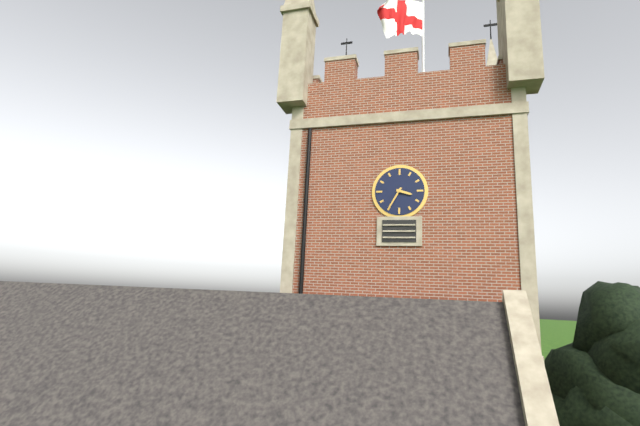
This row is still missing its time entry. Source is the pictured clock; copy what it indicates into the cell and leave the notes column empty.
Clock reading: 3:35
